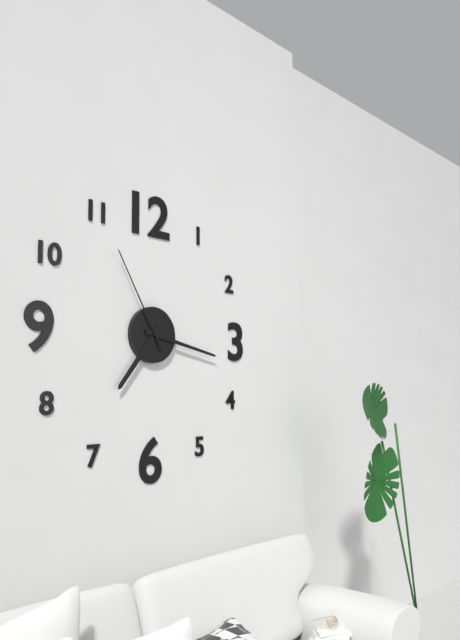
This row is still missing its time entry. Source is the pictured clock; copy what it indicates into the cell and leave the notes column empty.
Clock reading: 7:17:55
